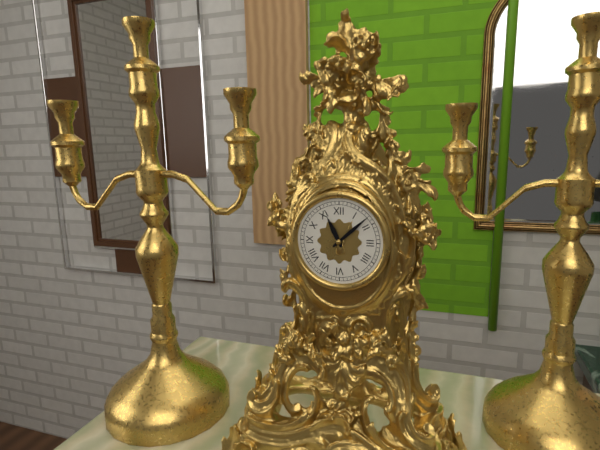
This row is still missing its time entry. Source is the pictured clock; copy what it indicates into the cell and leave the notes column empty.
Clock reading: 11:08
